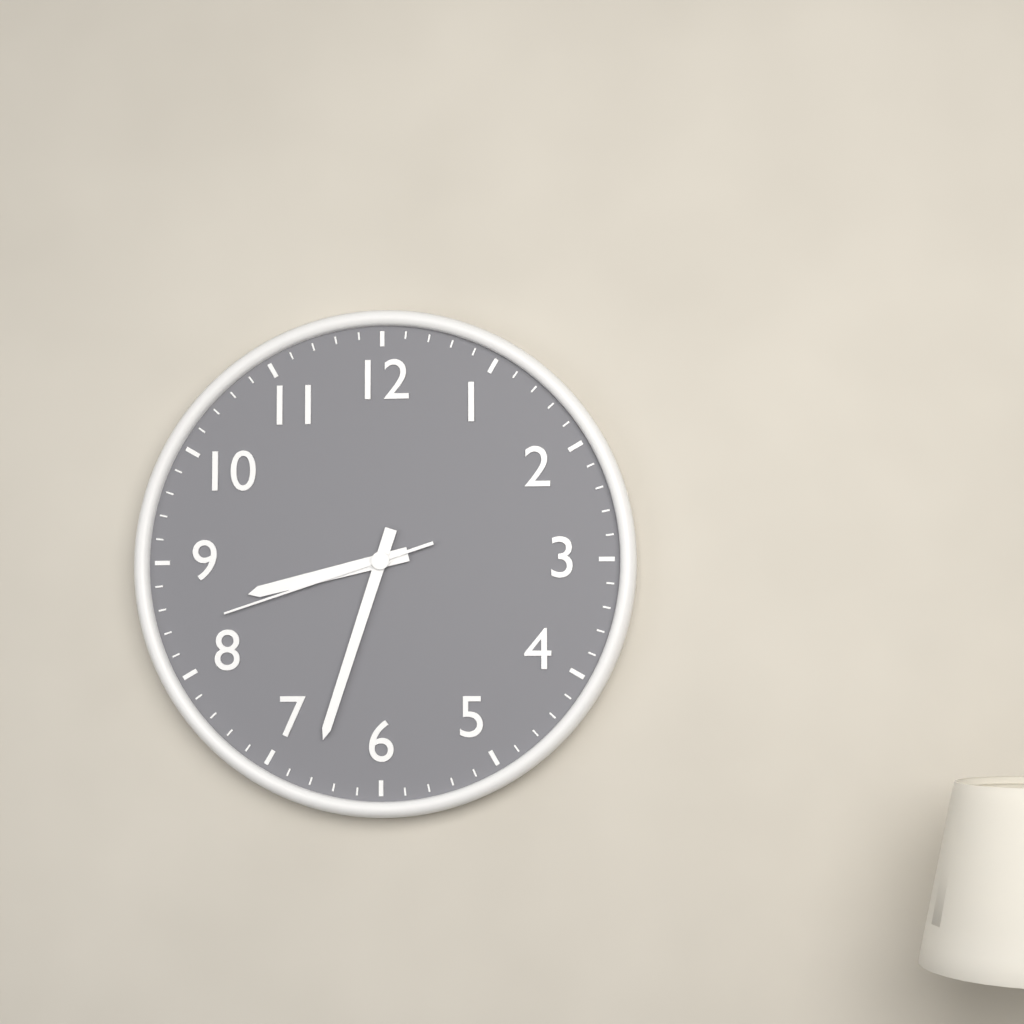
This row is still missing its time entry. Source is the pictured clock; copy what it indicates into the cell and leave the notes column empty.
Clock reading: 8:33:42
